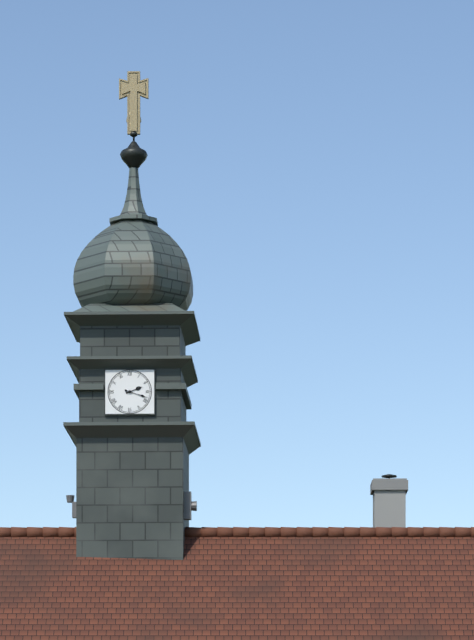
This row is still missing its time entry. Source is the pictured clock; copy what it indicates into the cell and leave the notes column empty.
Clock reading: 2:18
